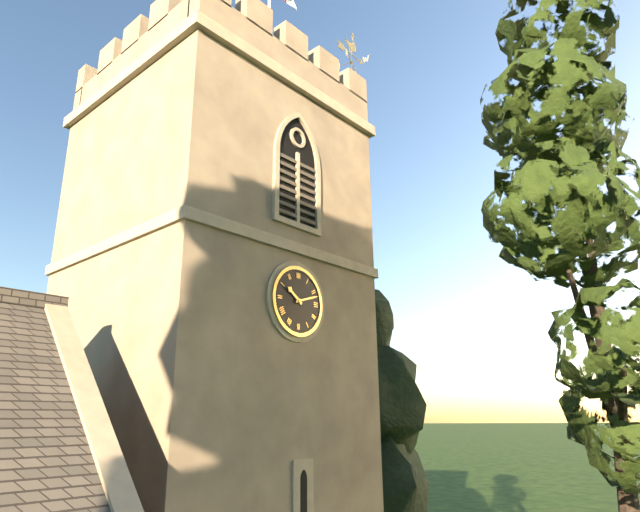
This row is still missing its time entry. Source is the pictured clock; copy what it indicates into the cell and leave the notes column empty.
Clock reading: 10:12
